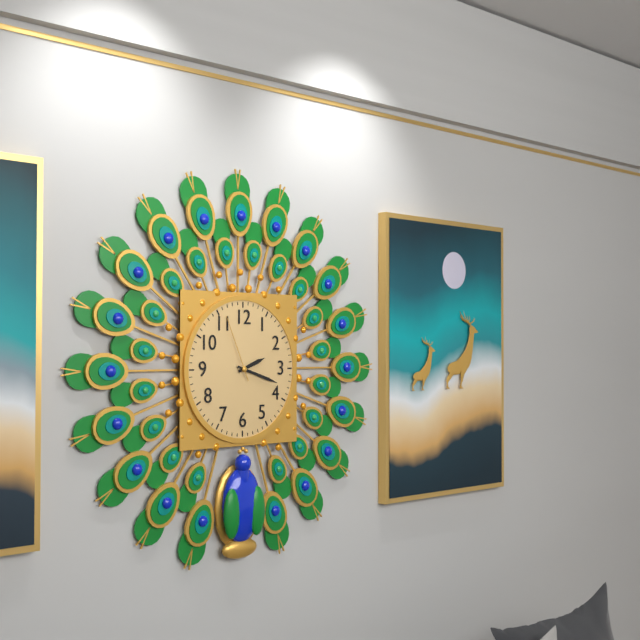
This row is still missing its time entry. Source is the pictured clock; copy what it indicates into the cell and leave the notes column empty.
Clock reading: 2:18:56
